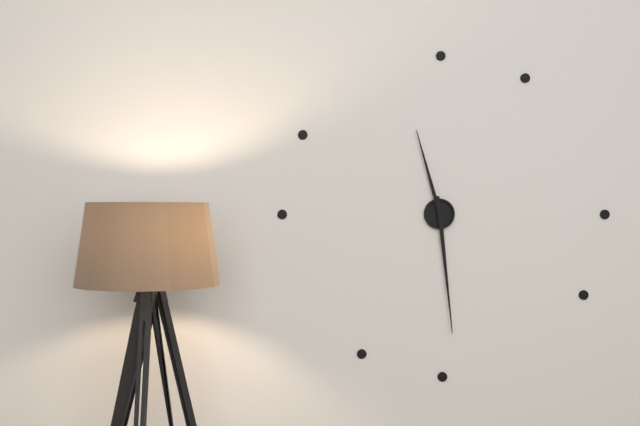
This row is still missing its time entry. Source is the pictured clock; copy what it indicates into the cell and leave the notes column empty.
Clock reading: 11:29
